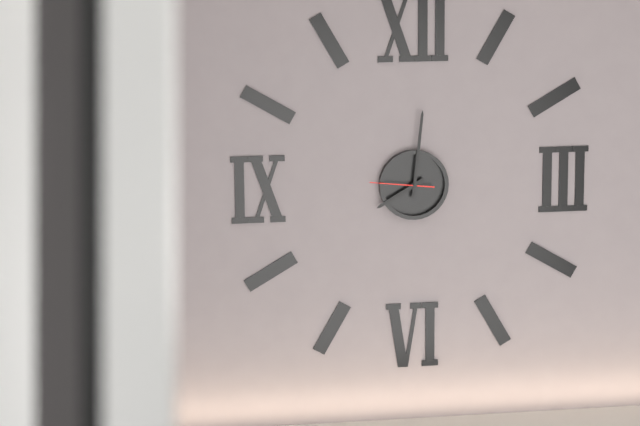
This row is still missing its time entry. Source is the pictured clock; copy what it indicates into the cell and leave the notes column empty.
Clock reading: 8:01:46
